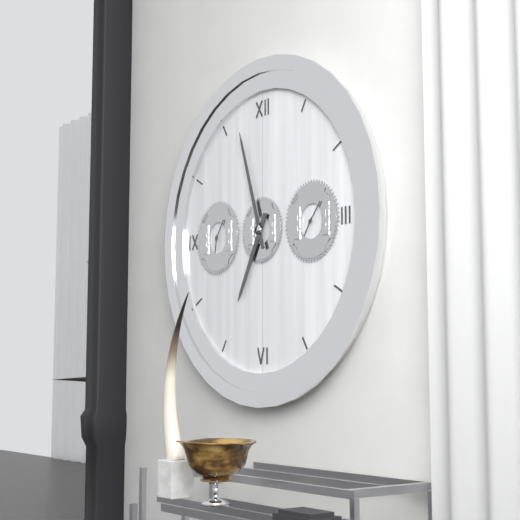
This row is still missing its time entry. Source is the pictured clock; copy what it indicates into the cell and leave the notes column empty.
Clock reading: 6:57
